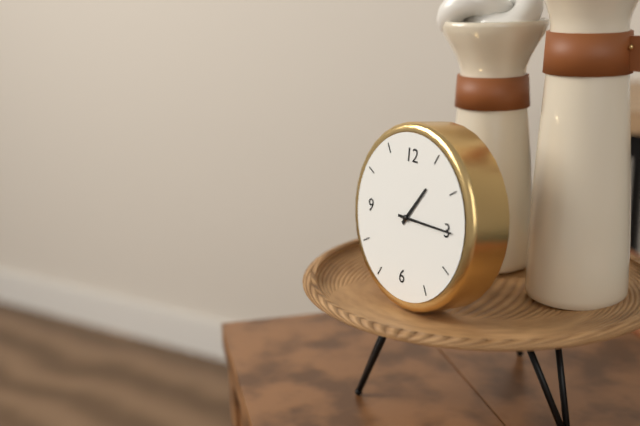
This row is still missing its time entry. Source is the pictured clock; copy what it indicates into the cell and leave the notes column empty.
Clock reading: 1:15
